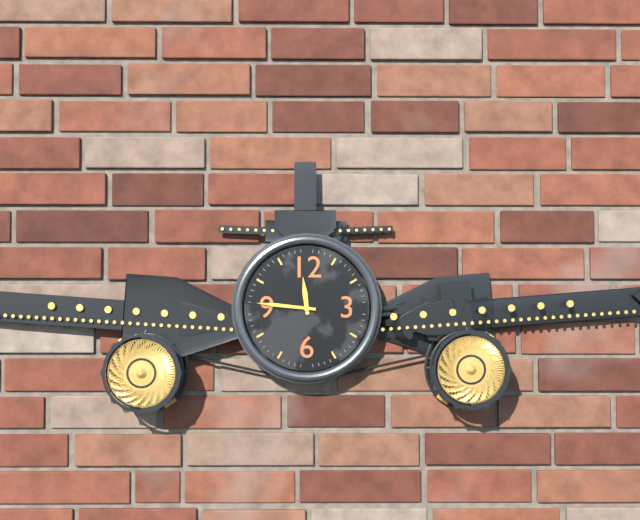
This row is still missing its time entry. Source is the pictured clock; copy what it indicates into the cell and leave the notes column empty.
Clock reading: 11:46
